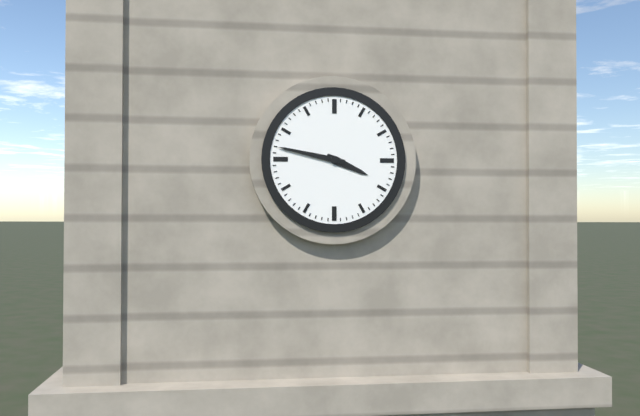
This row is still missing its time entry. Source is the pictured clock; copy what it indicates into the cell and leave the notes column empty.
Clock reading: 3:47
